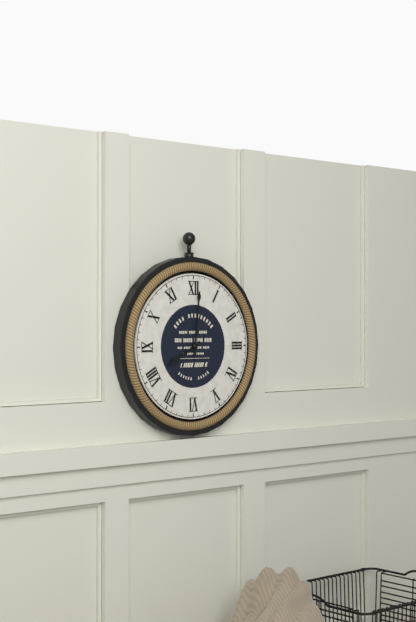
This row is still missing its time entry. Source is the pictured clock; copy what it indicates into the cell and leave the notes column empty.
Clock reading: 8:01
